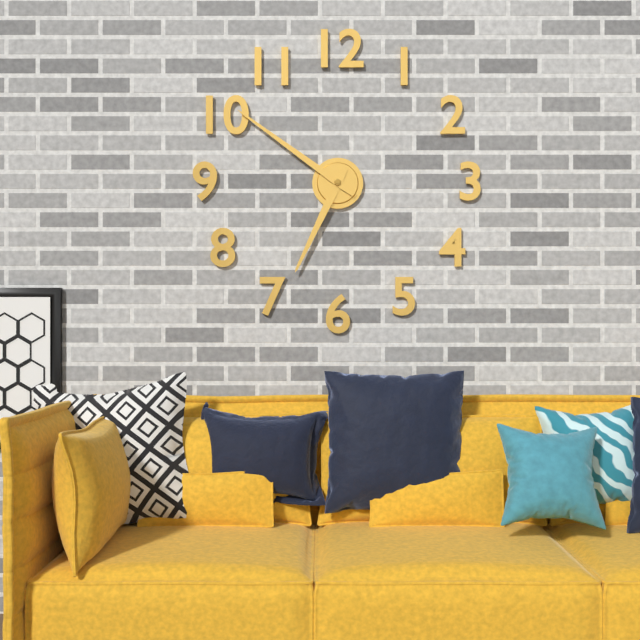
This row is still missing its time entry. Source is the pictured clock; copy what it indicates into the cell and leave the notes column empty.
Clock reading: 6:51
